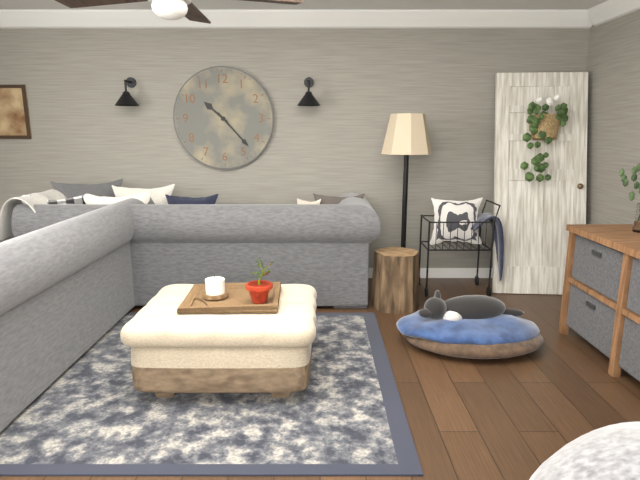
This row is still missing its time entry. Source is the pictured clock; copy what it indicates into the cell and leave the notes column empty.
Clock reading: 10:23
